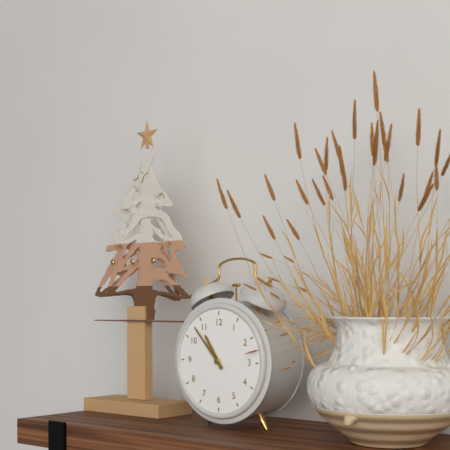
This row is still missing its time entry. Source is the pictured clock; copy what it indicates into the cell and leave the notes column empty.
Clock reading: 10:53
